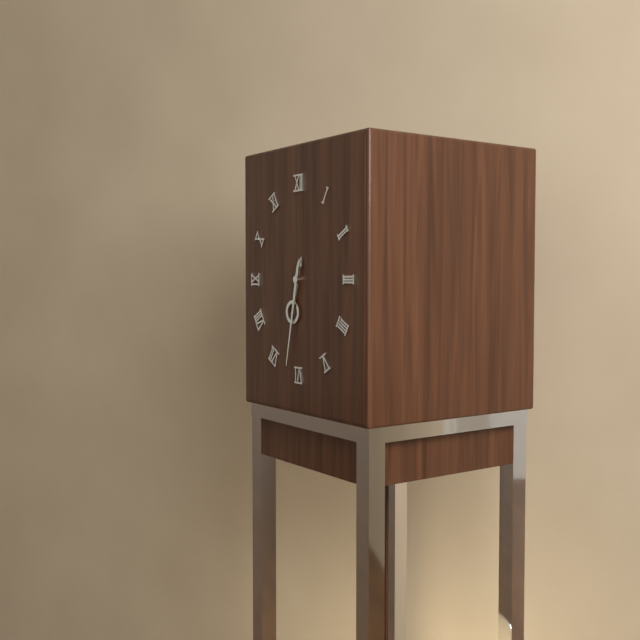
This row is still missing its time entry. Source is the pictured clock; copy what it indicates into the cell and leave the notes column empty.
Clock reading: 6:32
